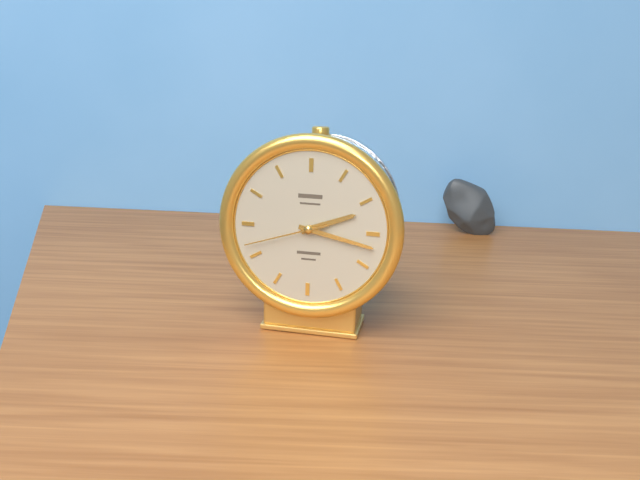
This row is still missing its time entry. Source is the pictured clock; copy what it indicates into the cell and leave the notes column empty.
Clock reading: 2:17:42
